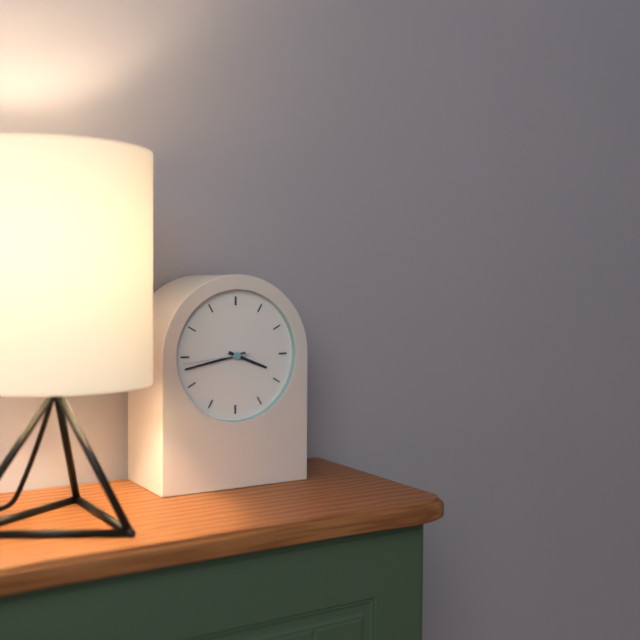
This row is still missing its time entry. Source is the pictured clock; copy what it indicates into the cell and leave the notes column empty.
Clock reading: 3:43:44
